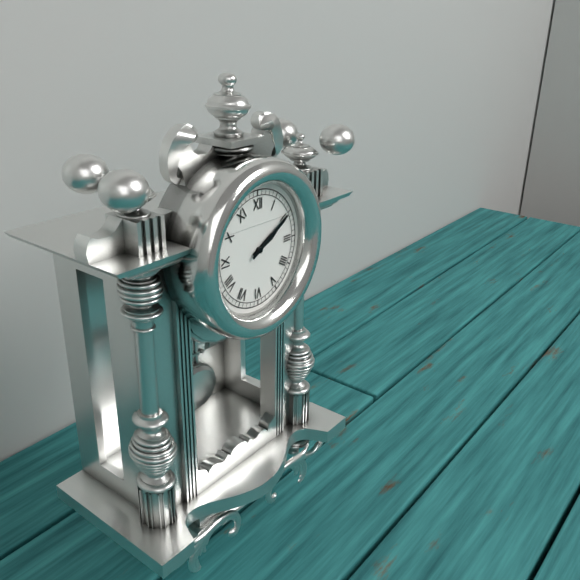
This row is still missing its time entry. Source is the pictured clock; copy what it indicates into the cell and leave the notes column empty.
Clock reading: 2:10
